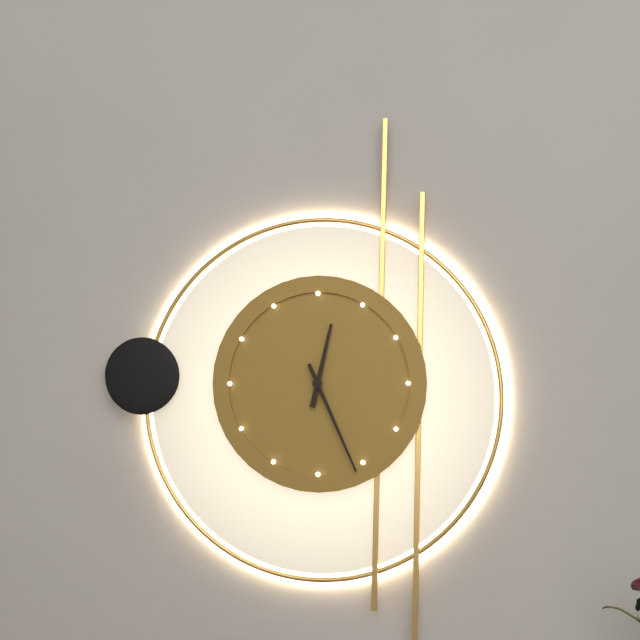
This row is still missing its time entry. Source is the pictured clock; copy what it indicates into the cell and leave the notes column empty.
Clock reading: 12:26
